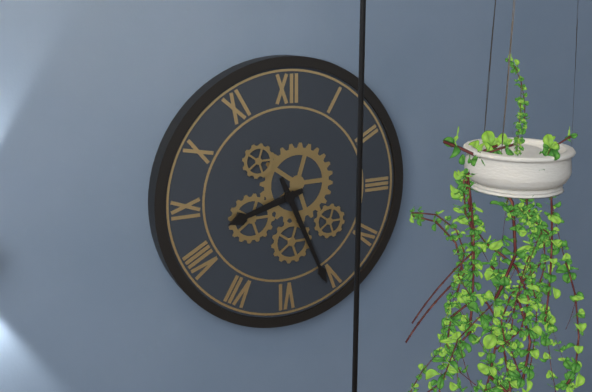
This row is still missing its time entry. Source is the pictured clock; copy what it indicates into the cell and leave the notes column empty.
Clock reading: 8:26
